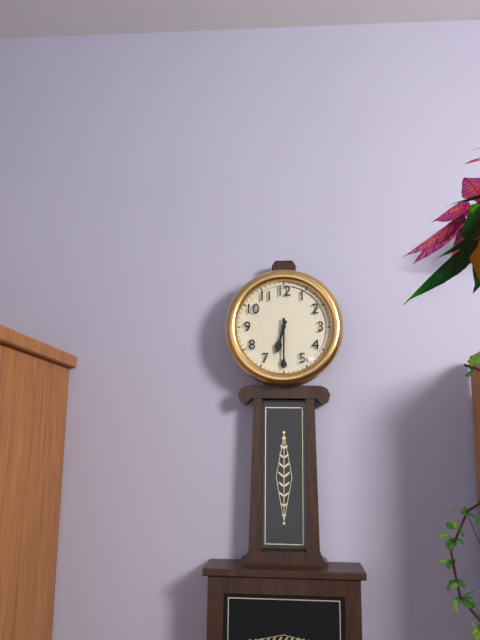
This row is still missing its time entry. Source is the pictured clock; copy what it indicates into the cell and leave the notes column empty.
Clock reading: 6:30
